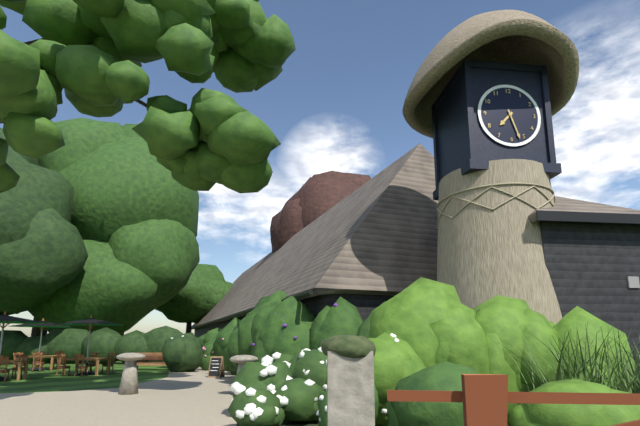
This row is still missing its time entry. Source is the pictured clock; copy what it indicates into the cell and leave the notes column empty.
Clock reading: 7:27
